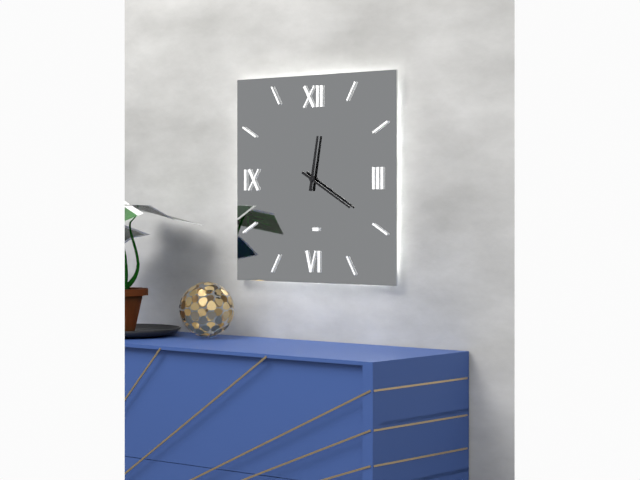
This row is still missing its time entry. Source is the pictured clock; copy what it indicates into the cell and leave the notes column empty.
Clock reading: 12:20
